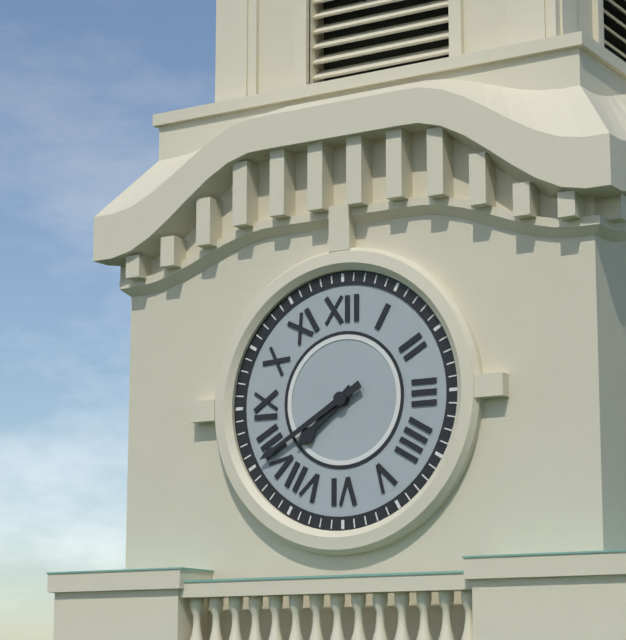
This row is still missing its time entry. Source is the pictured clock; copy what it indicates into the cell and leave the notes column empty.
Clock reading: 7:40
